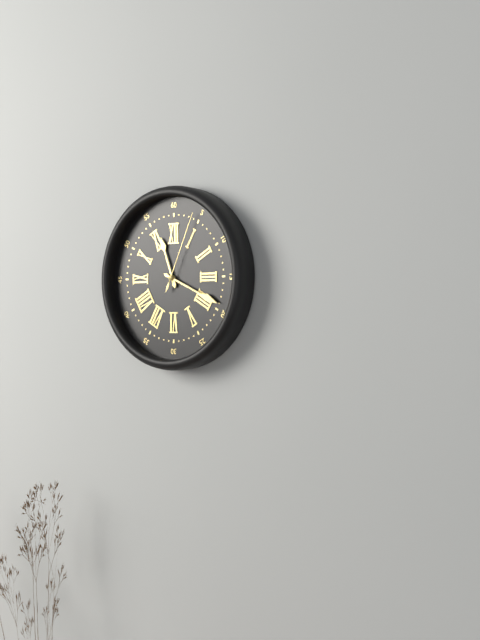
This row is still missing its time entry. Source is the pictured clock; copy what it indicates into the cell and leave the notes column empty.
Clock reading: 11:19:04
